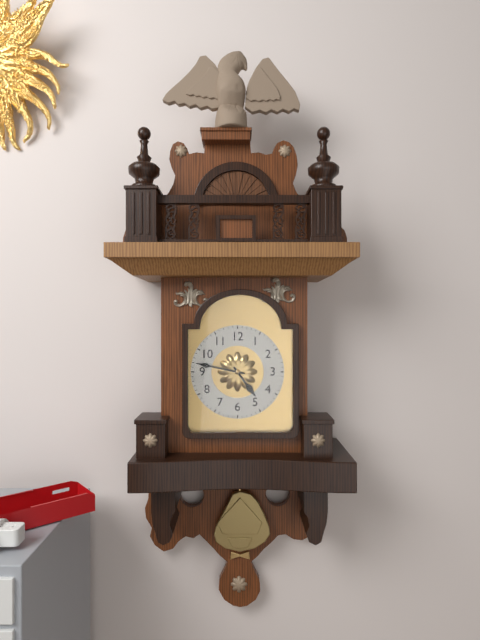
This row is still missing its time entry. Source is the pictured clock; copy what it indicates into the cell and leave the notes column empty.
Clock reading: 4:47
